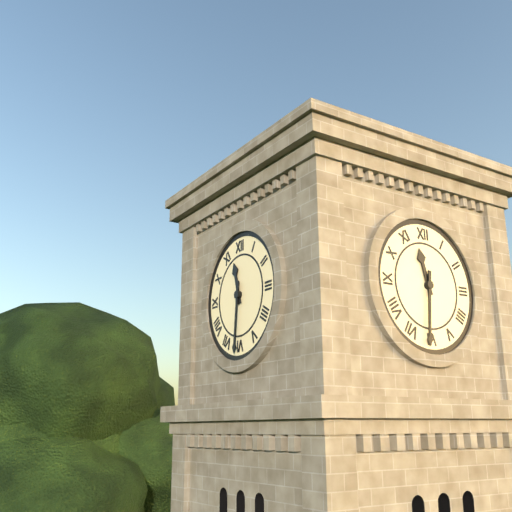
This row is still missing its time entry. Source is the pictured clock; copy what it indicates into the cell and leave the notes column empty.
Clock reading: 11:31
